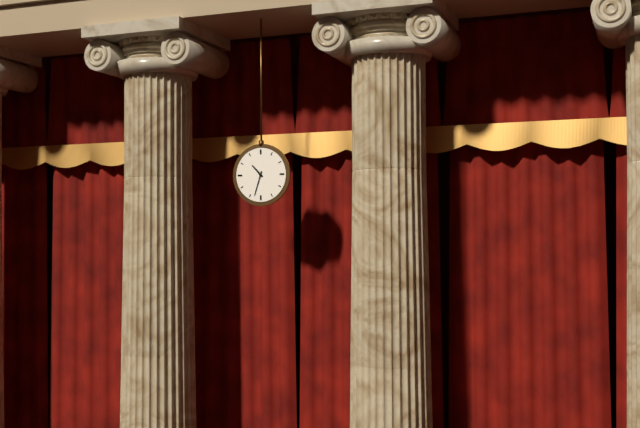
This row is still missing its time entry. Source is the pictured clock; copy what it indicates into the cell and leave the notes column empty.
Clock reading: 10:33
